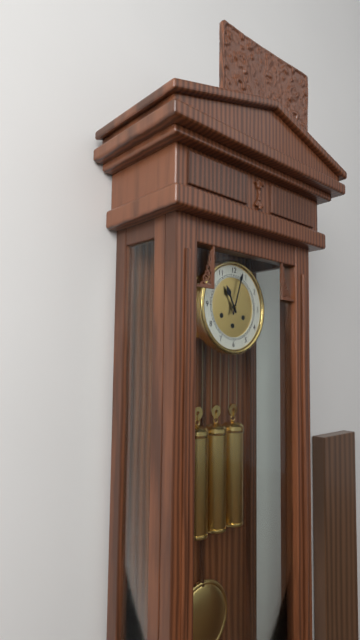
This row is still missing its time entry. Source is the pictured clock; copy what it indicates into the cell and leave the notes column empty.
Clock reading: 11:03
